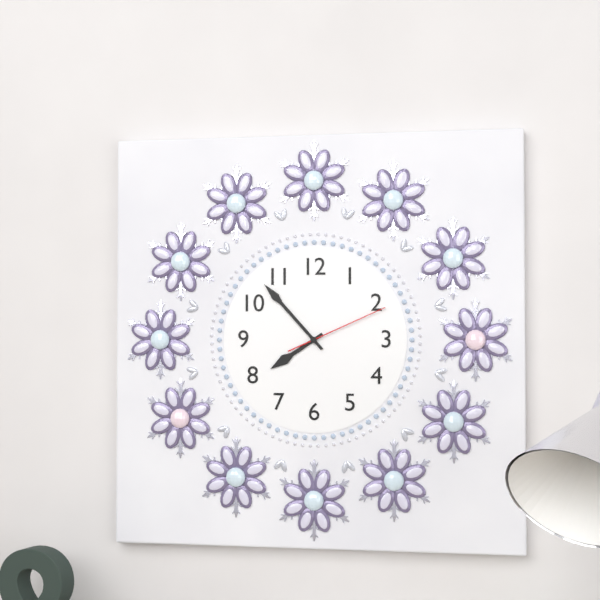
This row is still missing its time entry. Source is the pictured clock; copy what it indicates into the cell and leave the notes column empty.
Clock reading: 7:53:11
